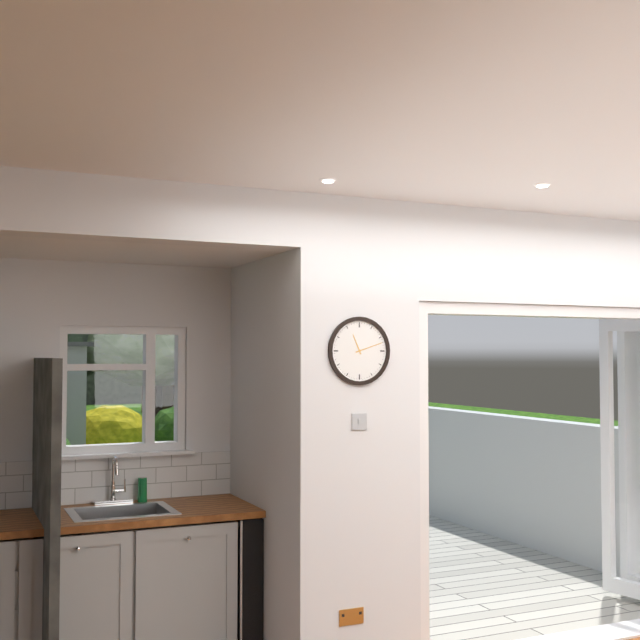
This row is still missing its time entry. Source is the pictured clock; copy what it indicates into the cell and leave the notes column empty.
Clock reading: 11:12
